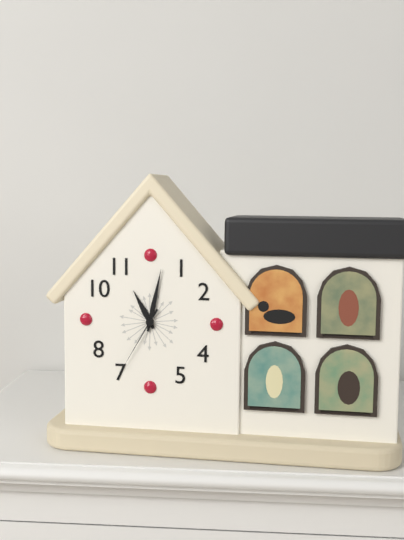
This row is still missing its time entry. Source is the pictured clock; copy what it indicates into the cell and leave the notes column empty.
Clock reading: 11:02:35
